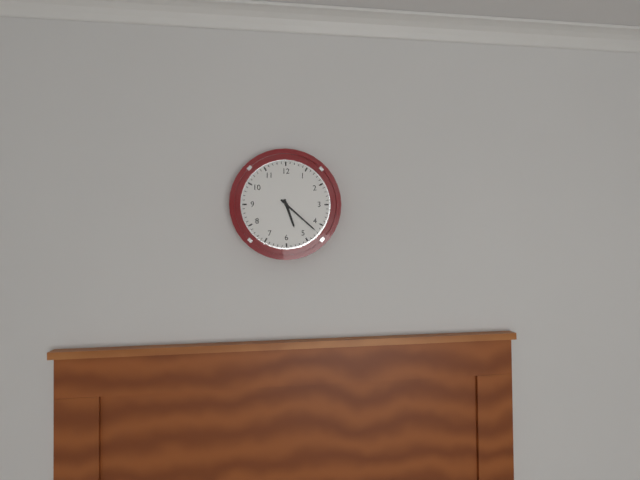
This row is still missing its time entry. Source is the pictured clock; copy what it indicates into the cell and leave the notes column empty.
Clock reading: 5:22
